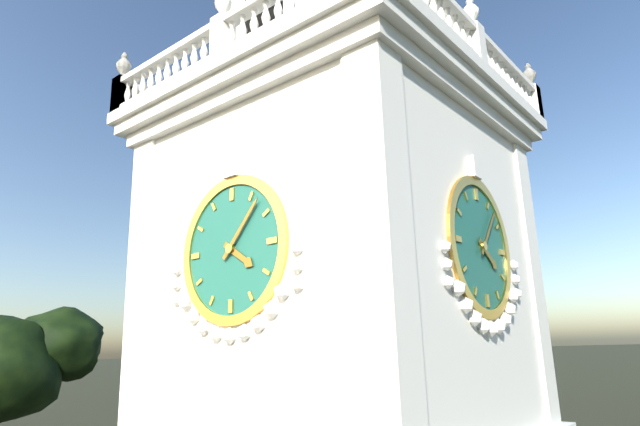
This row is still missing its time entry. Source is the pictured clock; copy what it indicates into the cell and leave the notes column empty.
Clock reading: 4:07
